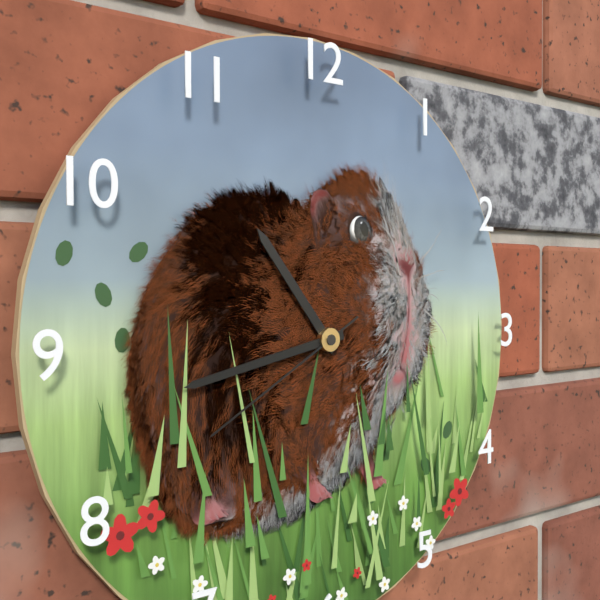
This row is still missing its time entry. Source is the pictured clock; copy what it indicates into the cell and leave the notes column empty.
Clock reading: 10:43:40
